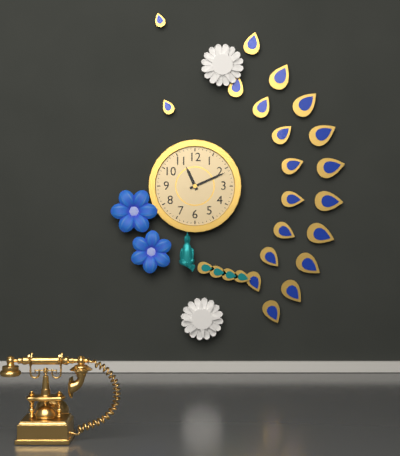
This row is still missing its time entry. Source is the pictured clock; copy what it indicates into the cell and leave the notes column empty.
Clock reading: 11:11
